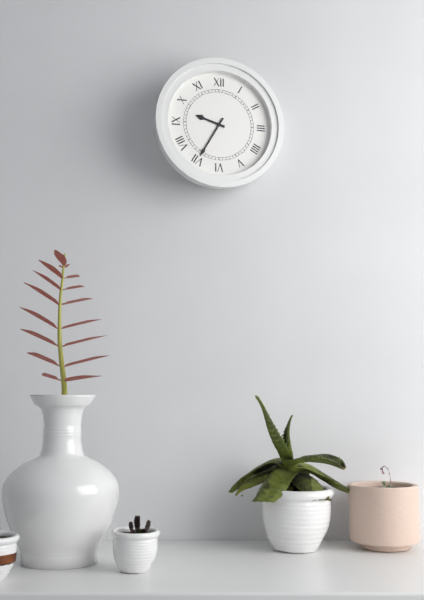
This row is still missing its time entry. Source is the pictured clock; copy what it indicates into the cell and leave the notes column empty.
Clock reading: 9:35
